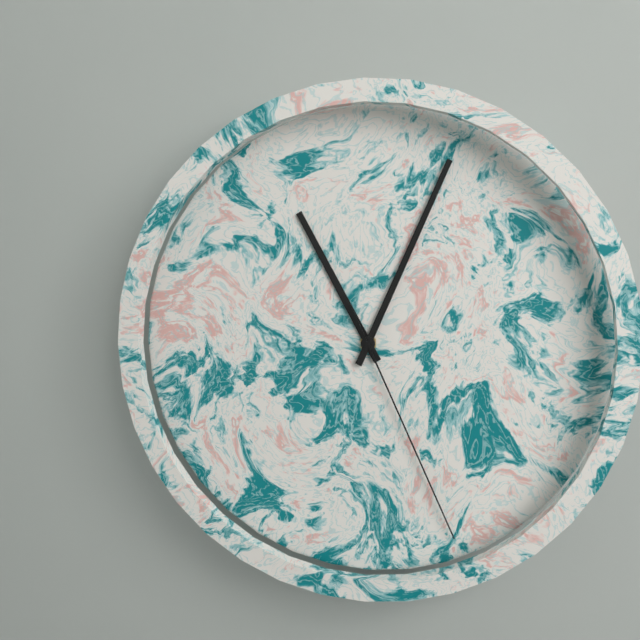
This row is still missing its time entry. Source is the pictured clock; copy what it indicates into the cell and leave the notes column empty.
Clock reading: 11:04:26
